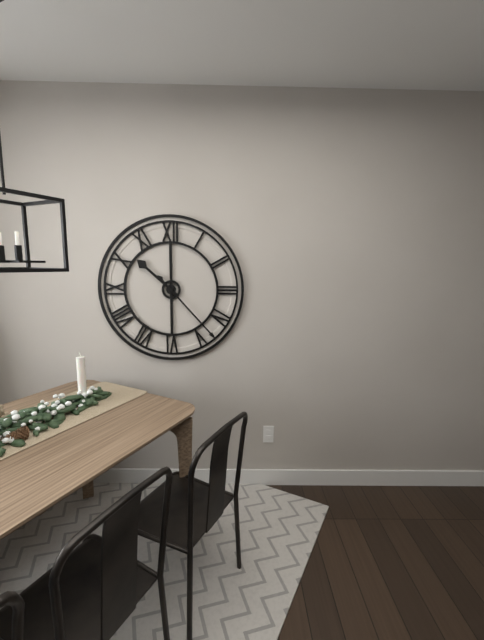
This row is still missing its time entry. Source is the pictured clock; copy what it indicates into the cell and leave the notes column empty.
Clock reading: 10:23
